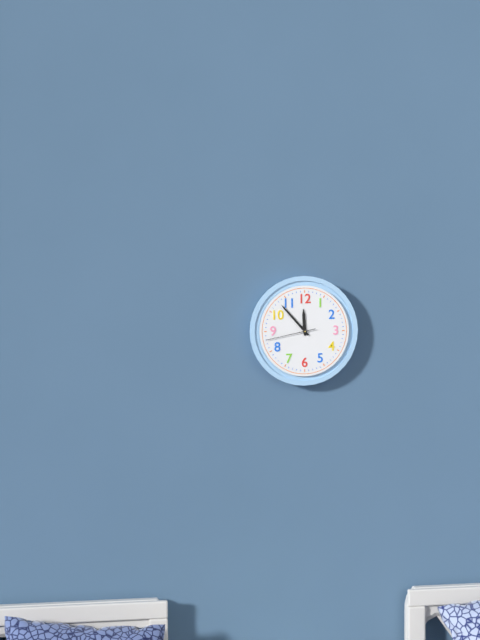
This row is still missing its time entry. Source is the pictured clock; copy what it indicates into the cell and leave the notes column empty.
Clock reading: 11:53:43
